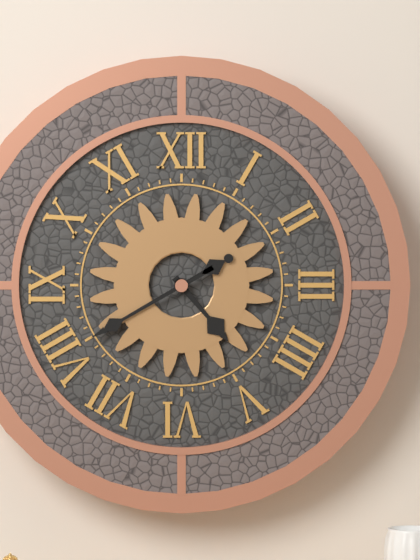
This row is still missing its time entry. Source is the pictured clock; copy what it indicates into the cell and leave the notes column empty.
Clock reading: 4:40
